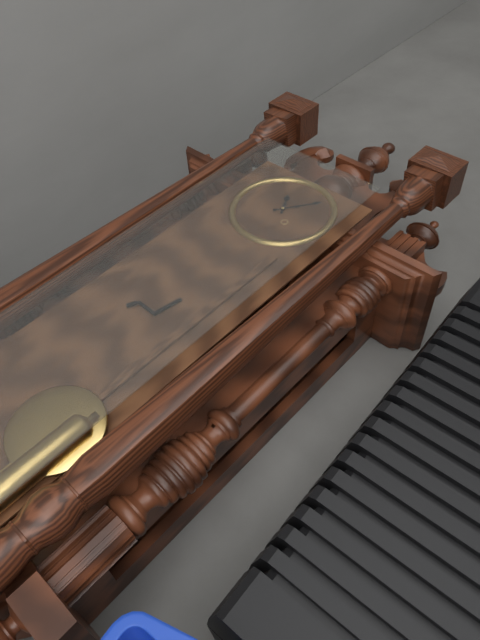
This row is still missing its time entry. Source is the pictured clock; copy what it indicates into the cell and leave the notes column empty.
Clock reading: 11:06
